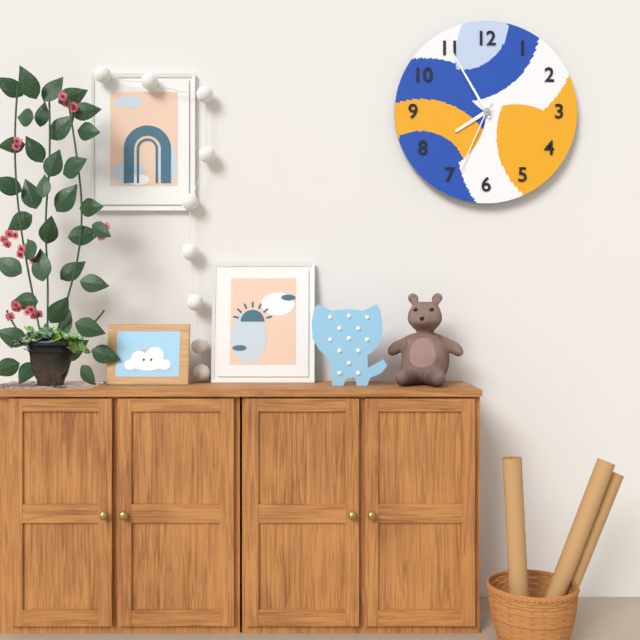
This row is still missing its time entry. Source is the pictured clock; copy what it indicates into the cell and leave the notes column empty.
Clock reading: 7:55:34
